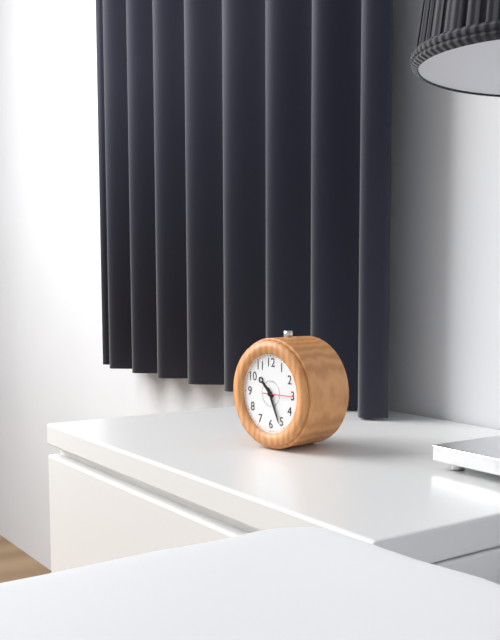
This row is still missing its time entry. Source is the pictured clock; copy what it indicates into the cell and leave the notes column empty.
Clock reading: 10:26
